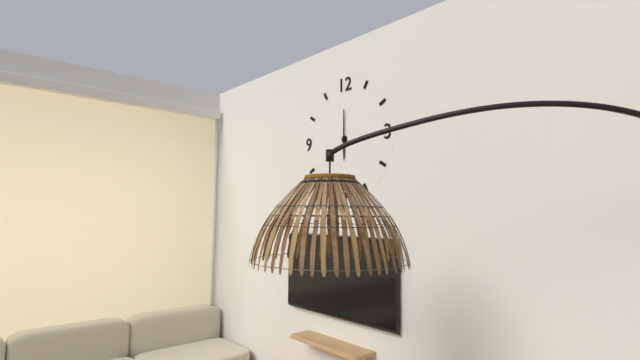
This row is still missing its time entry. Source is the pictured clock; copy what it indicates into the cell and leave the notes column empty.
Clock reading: 6:00
